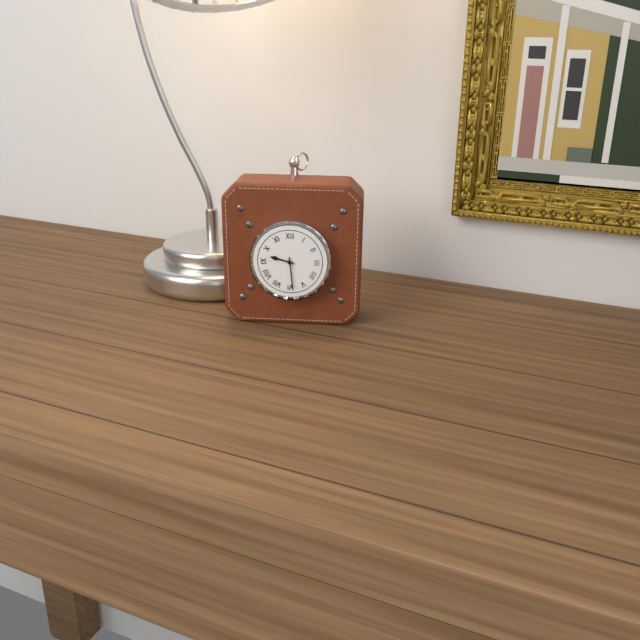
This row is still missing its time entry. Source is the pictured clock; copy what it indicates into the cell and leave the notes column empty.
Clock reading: 9:29
